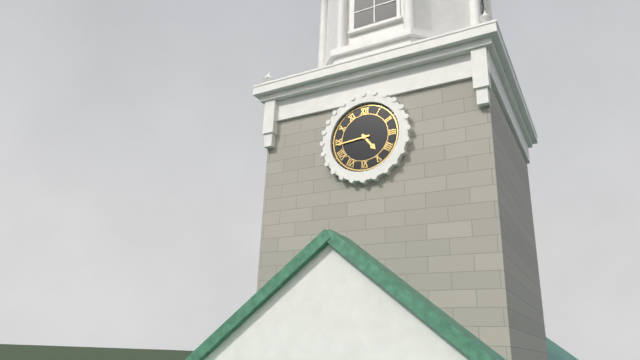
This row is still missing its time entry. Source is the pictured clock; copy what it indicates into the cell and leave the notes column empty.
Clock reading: 4:44
